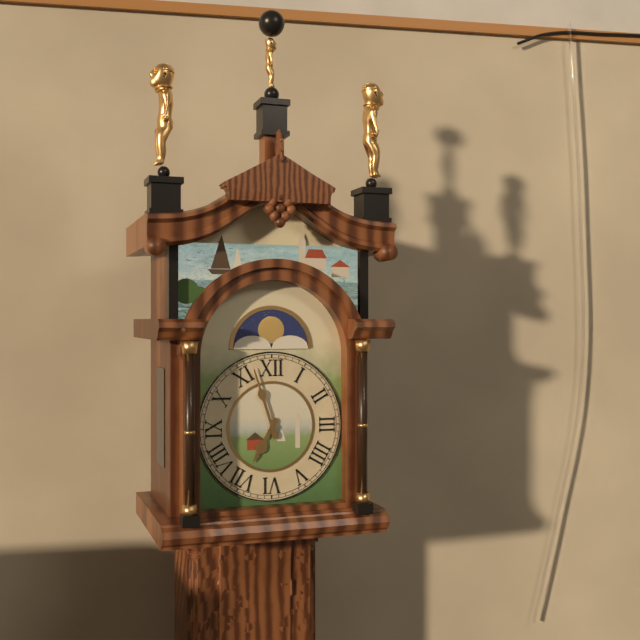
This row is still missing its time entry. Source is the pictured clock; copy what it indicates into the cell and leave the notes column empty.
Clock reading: 6:57
